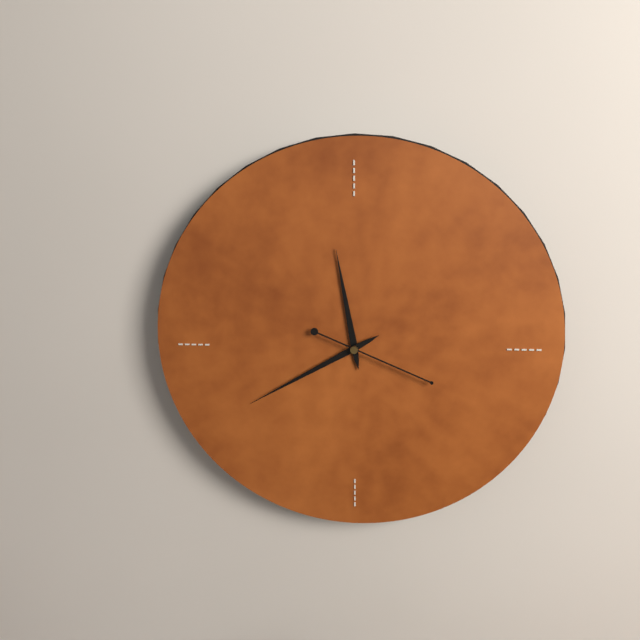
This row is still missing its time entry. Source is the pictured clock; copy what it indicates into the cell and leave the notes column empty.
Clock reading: 11:40:19
